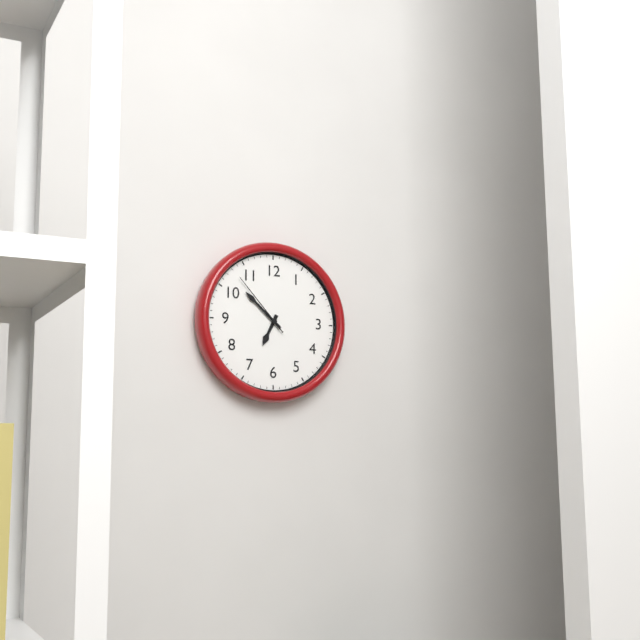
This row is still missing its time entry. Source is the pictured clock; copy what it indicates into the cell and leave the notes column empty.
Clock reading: 6:52:53
